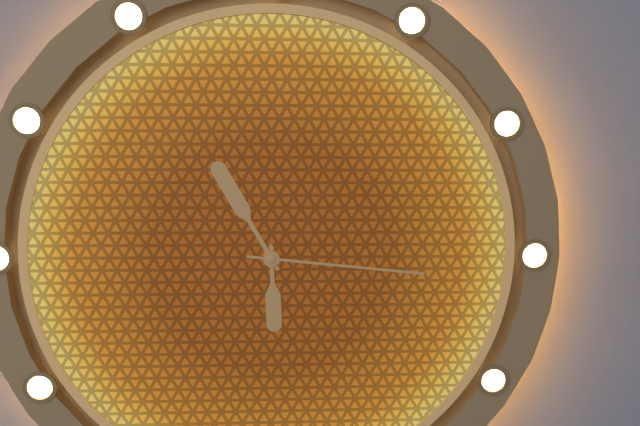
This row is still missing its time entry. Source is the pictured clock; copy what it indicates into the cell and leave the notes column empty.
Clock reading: 5:55:16
